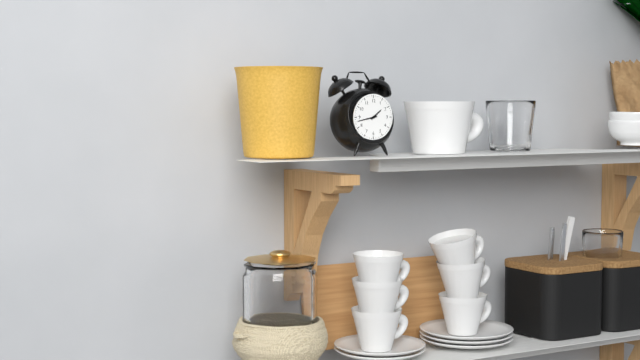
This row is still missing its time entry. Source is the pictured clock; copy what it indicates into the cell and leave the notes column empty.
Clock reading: 1:43
